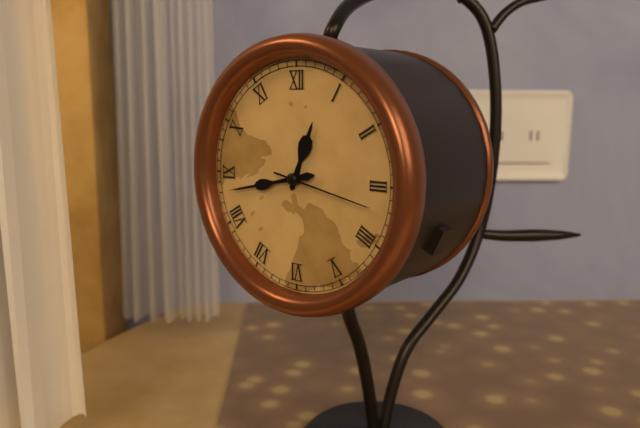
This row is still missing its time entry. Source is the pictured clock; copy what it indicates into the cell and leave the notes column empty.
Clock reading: 12:43:17
